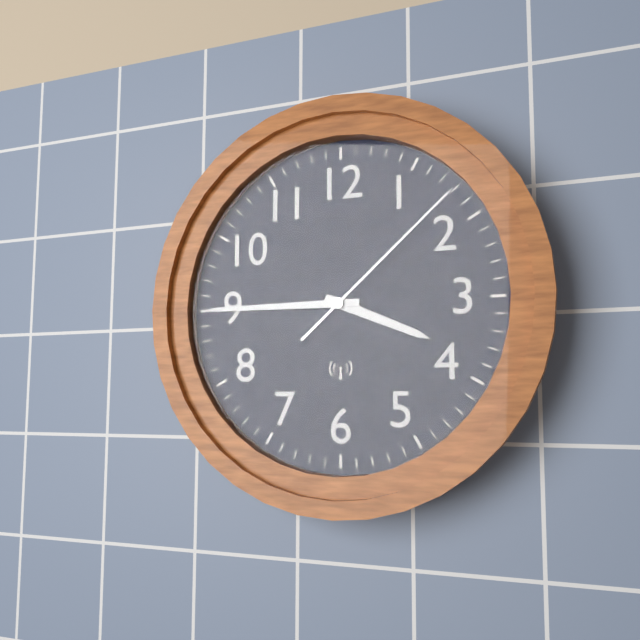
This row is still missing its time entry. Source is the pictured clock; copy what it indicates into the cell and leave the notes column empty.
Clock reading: 3:45:08
